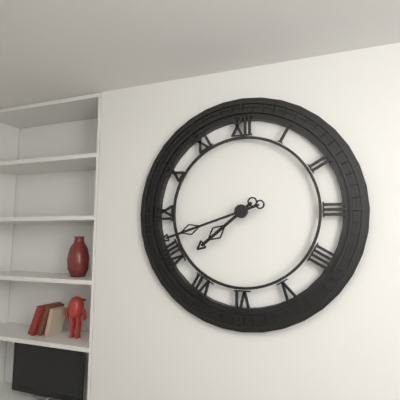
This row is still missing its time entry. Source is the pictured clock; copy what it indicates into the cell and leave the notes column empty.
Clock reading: 7:42
